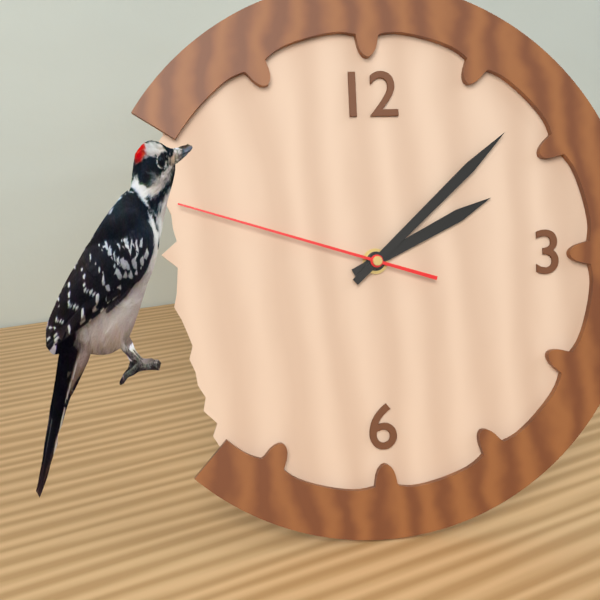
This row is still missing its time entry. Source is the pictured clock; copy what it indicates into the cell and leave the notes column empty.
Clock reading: 2:08:48
